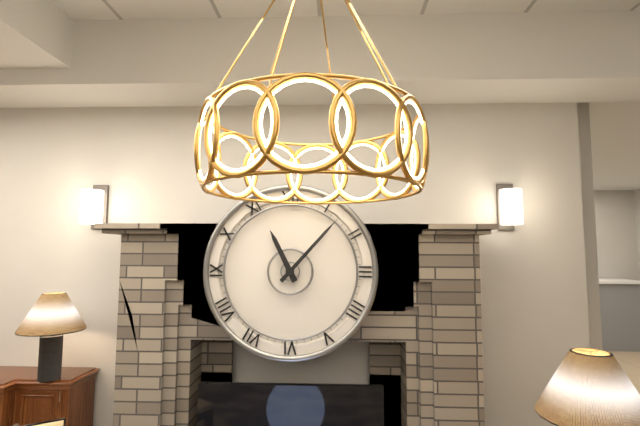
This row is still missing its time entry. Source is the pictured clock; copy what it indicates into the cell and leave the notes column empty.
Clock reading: 11:07
